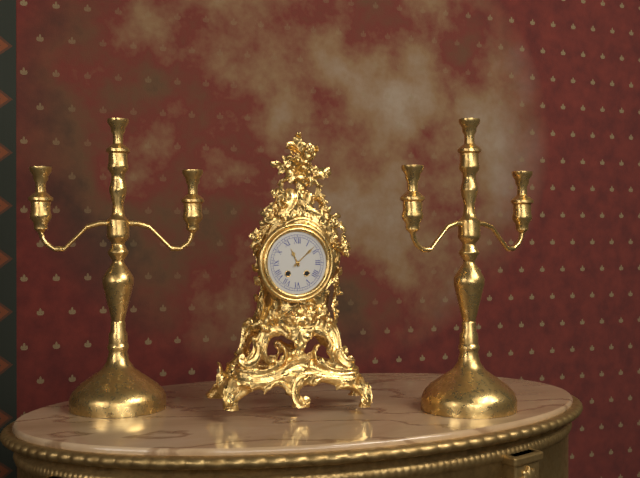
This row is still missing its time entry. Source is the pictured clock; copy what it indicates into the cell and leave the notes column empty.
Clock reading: 11:08
